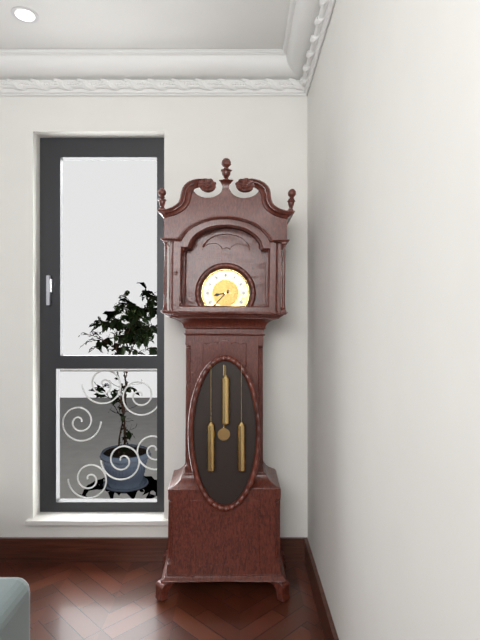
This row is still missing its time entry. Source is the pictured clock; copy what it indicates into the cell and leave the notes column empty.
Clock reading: 8:37
